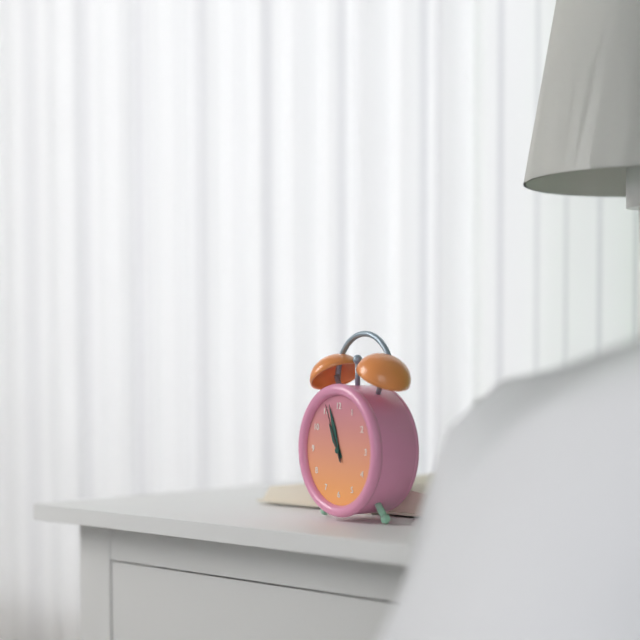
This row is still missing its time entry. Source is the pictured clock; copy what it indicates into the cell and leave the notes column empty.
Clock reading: 10:57:56
